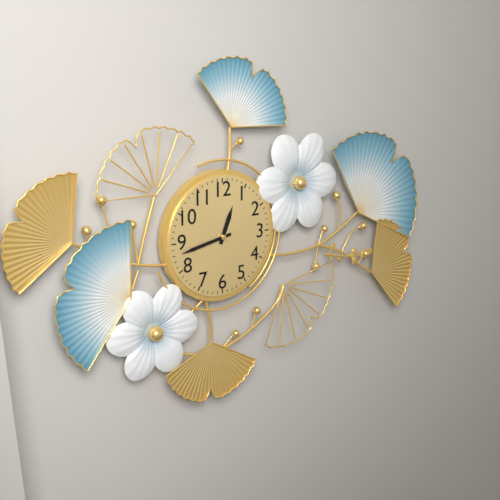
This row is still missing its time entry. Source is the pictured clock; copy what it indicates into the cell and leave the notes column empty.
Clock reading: 12:43
